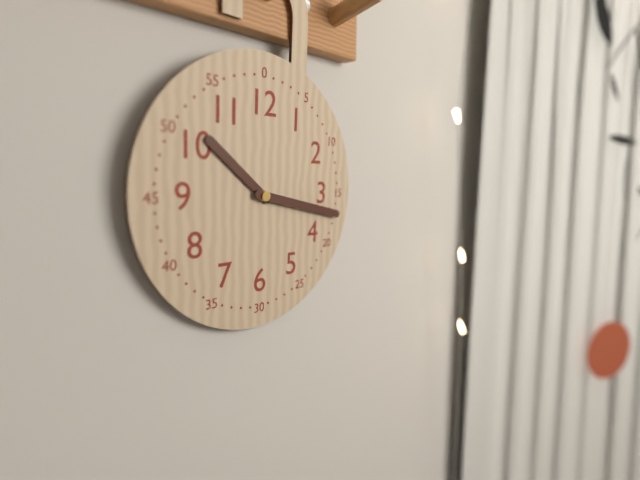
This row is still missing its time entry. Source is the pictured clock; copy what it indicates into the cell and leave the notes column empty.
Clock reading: 10:17
